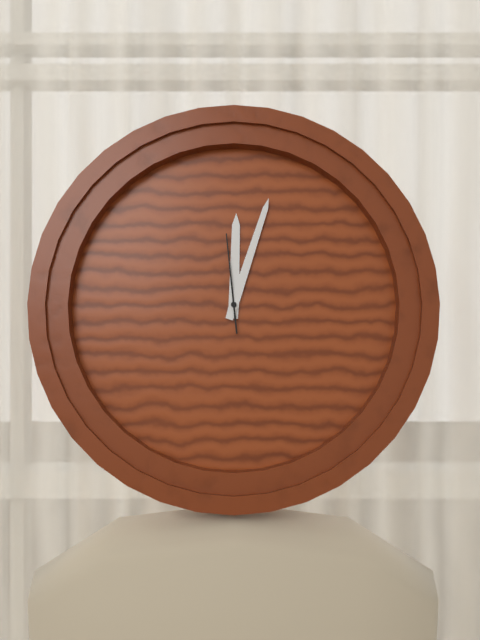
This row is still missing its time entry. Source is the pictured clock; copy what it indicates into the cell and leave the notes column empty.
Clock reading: 12:03:59
